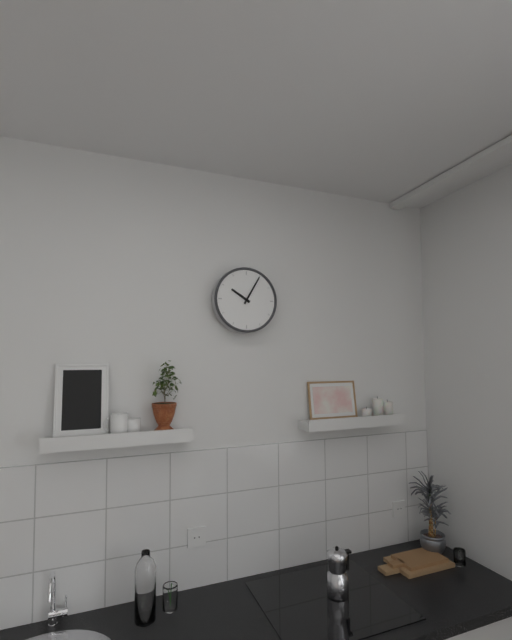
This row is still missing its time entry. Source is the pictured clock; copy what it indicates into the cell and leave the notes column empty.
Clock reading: 10:05
